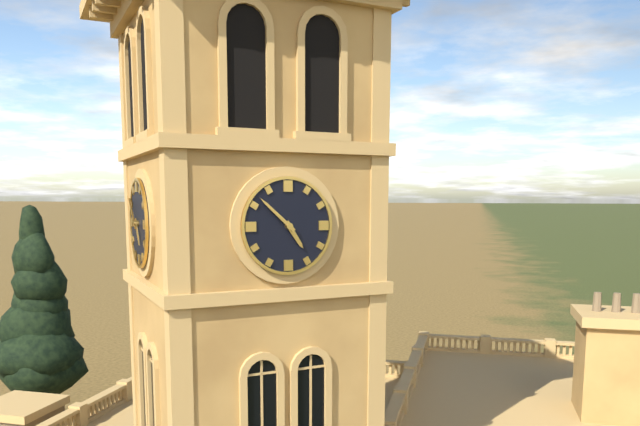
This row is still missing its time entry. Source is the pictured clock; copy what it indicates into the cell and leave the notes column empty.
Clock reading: 4:52
